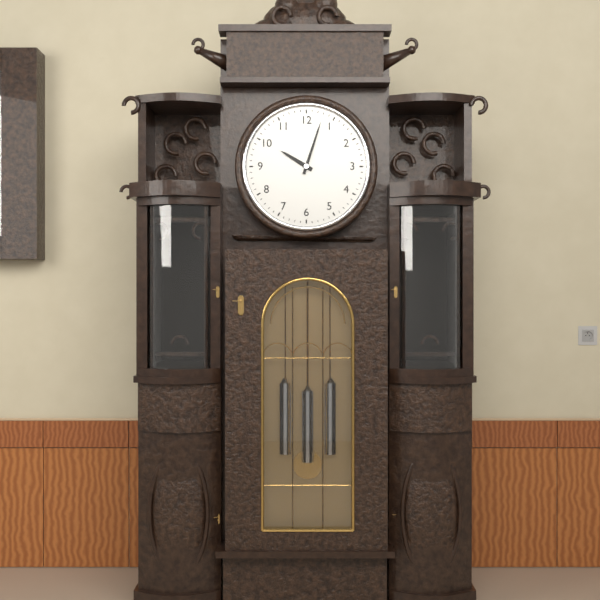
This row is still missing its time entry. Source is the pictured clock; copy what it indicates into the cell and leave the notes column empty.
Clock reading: 10:03
